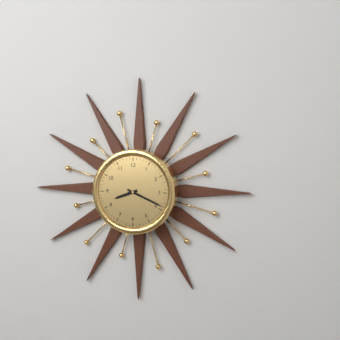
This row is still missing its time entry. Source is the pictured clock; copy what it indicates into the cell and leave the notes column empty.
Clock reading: 8:19
